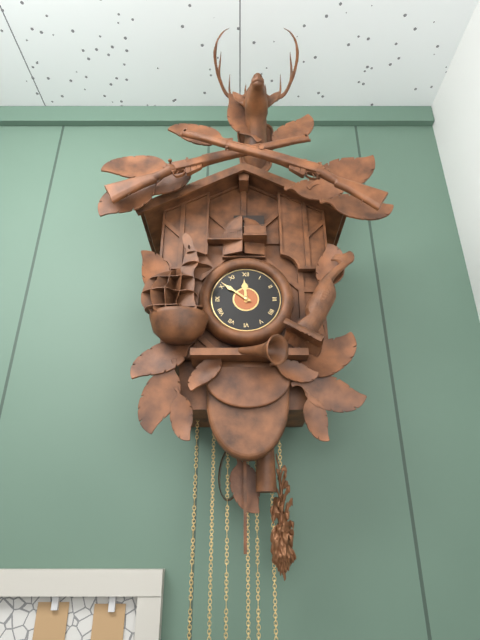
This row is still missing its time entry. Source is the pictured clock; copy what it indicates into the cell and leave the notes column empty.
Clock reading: 11:51
